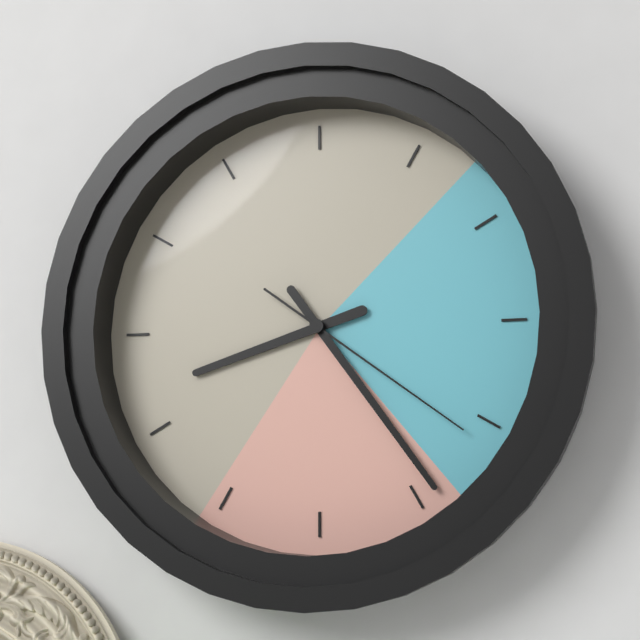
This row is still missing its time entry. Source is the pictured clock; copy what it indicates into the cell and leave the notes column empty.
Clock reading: 8:24:21
